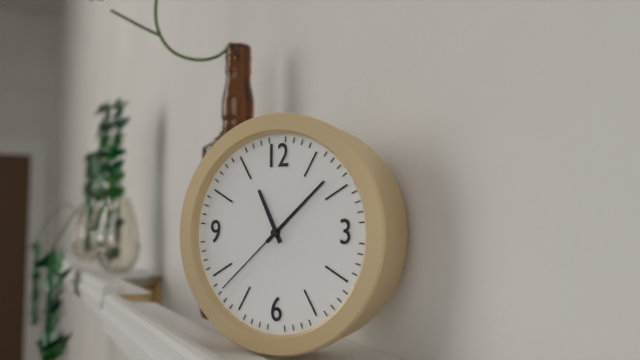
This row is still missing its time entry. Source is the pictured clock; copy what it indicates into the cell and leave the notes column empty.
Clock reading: 11:08:38
